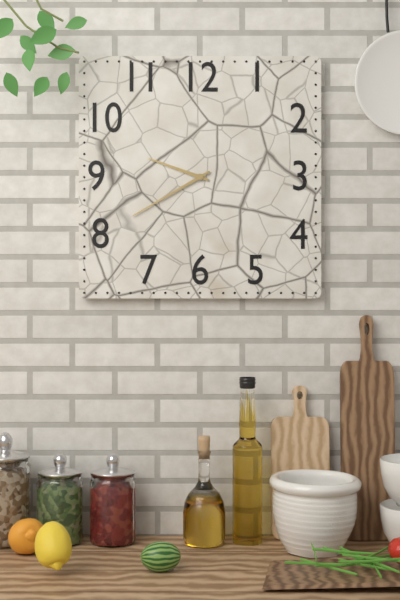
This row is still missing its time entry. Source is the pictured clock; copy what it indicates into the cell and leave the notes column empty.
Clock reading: 9:40
